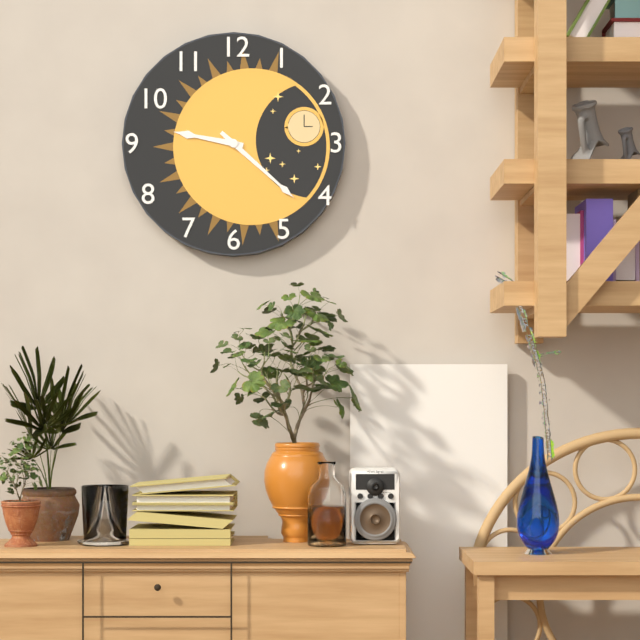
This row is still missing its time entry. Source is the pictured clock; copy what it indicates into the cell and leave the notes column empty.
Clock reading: 9:22
